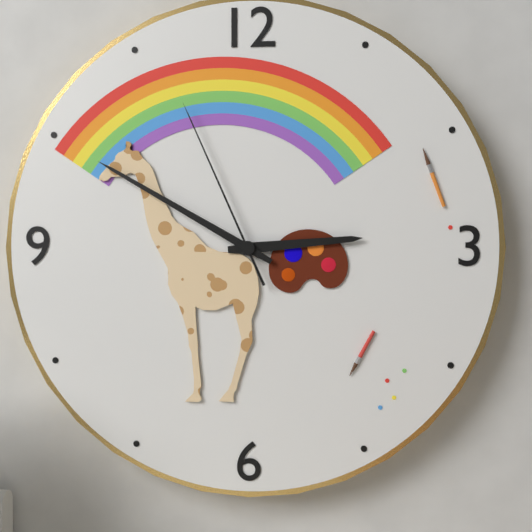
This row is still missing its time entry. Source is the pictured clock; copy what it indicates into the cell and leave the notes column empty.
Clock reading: 2:50:56
